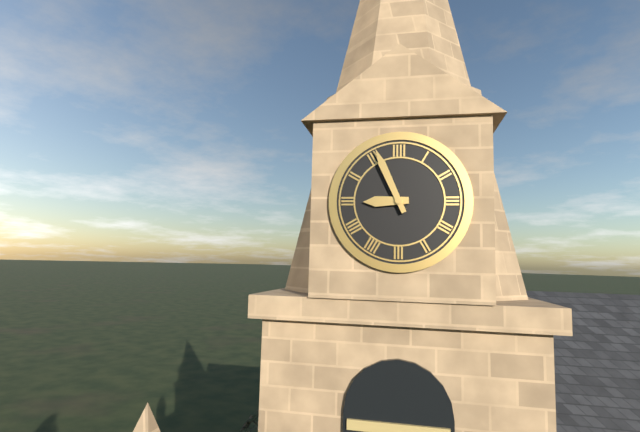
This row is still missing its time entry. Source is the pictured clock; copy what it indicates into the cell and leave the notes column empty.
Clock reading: 8:56
